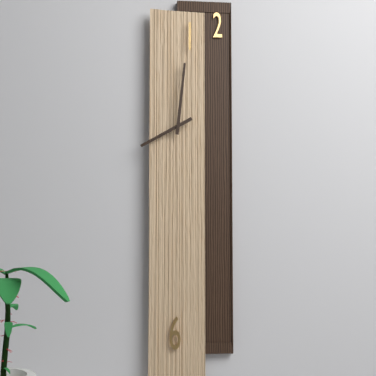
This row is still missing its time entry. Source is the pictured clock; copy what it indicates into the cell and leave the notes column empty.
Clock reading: 8:01
